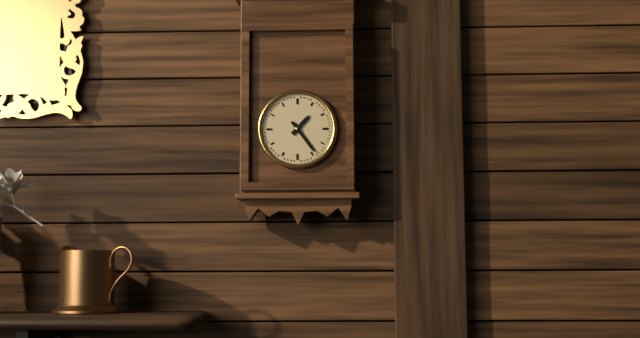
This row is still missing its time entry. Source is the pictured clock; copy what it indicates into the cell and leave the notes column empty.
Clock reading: 1:24
